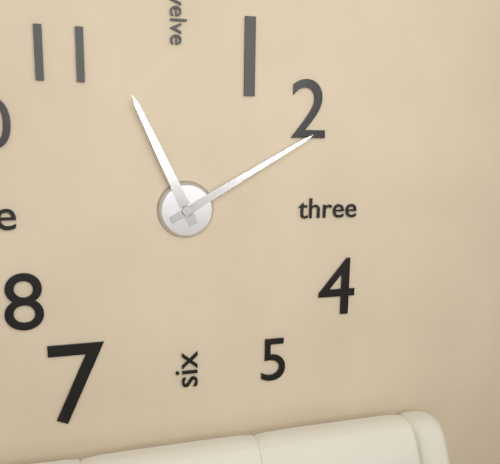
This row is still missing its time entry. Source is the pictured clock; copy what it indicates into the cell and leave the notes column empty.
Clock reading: 11:10
